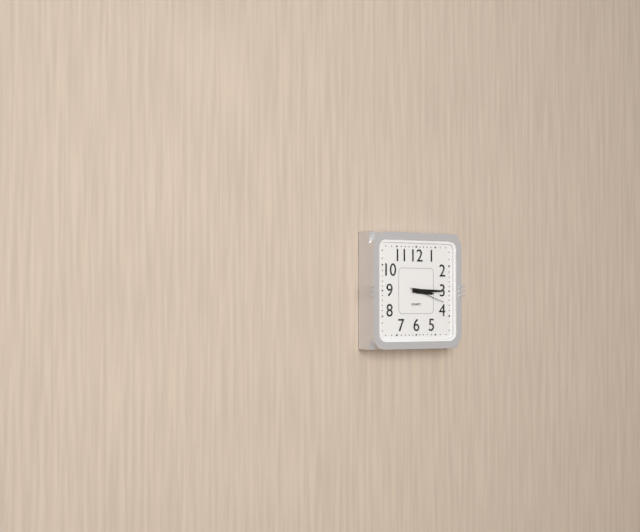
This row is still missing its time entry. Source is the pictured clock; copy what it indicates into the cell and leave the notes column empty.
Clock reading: 3:15:18
